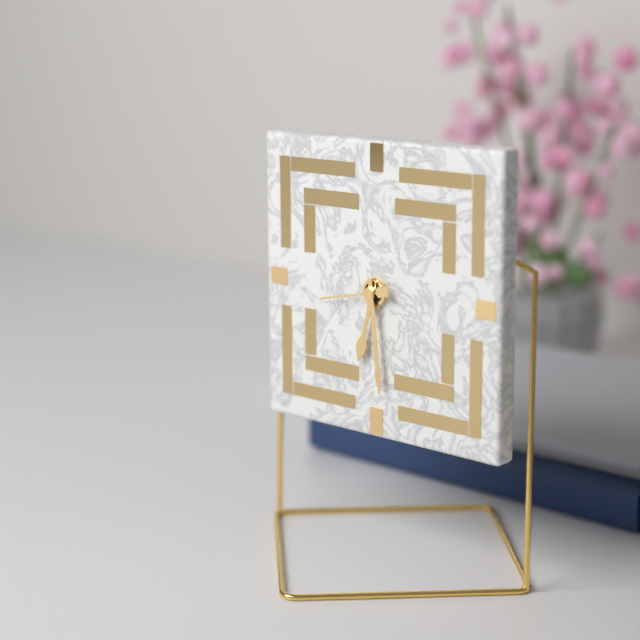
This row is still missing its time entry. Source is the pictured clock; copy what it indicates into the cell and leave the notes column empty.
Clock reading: 6:29:43
